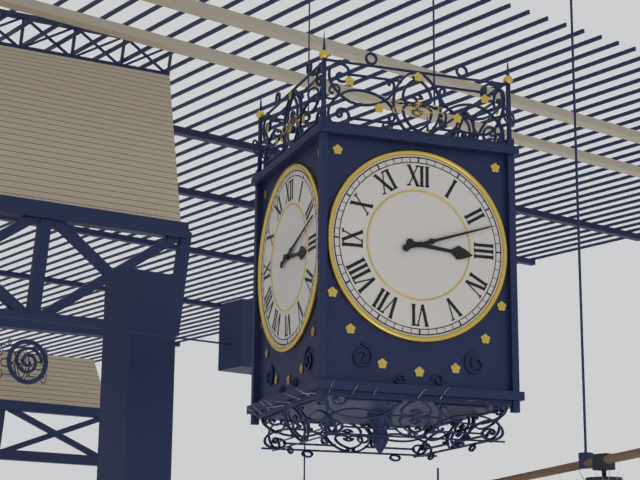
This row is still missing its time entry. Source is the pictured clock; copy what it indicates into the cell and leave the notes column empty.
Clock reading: 3:12
